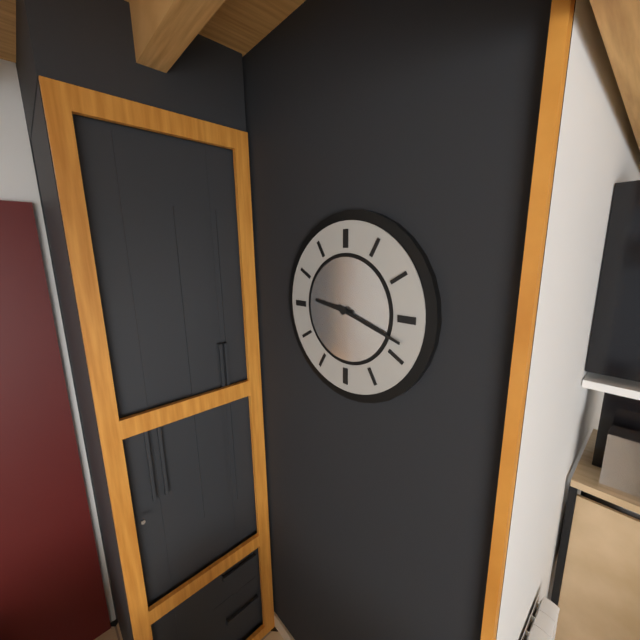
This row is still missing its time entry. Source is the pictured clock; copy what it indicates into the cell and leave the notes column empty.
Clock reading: 9:18
